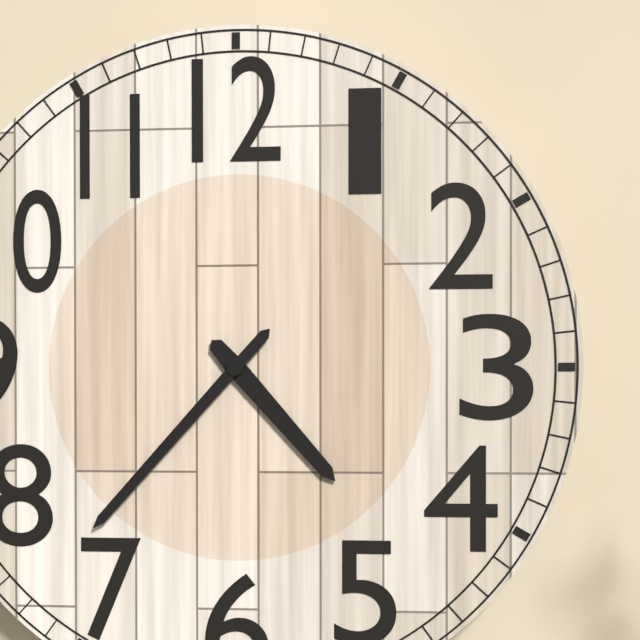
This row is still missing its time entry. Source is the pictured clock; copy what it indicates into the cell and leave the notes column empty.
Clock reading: 4:37
